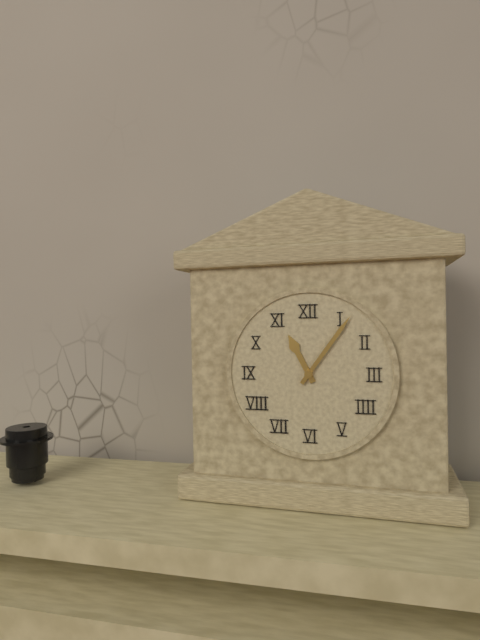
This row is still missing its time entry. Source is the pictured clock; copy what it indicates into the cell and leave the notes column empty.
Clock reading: 11:06
